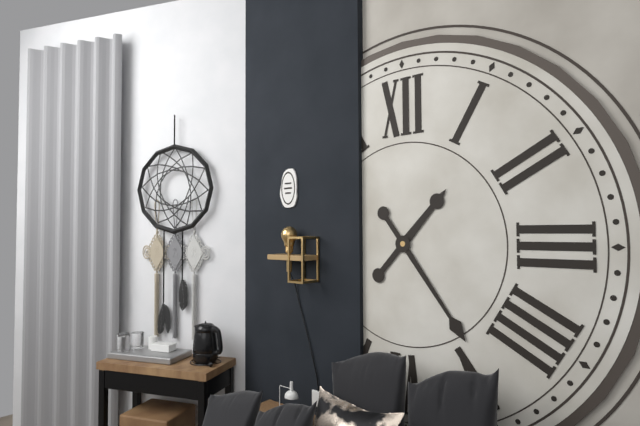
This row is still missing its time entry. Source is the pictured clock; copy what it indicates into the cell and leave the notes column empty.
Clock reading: 1:24
